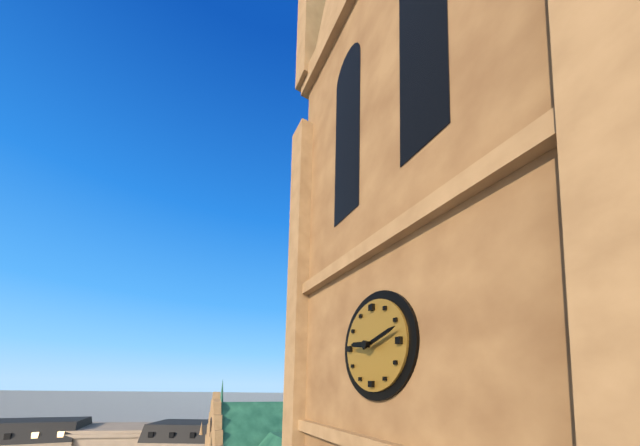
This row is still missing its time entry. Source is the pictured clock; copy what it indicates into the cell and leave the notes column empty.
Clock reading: 9:12
